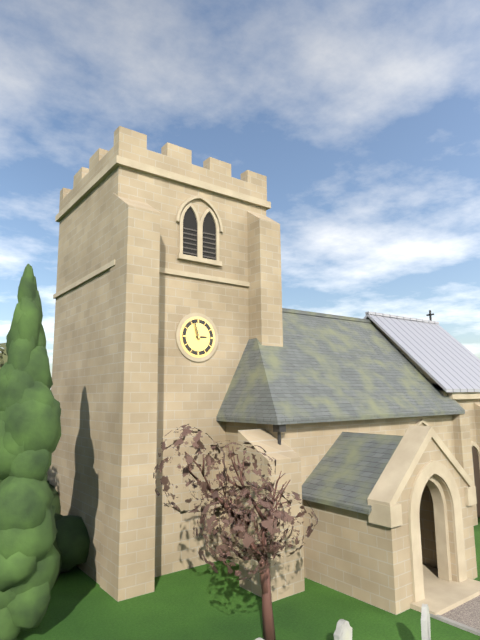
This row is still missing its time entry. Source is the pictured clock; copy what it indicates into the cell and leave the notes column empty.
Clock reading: 2:57
